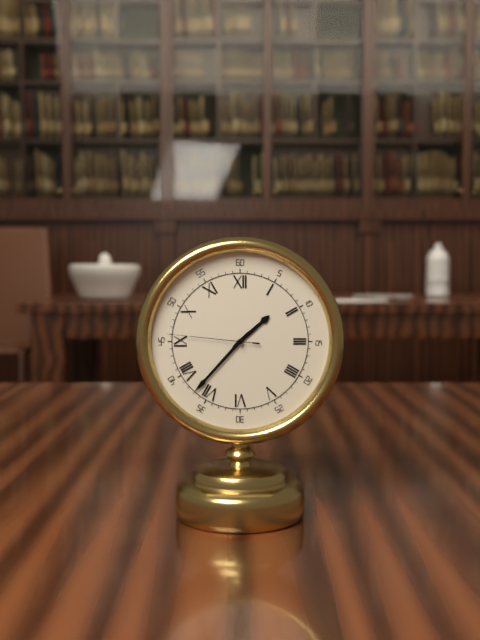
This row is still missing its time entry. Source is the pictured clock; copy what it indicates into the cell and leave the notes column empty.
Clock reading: 1:37:46
